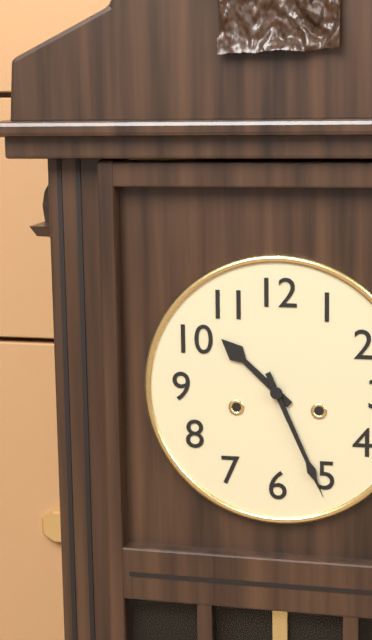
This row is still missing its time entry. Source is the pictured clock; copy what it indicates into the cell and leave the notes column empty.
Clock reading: 10:26
